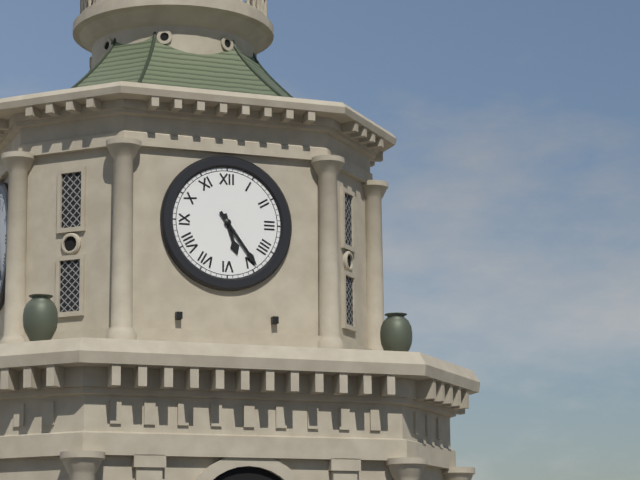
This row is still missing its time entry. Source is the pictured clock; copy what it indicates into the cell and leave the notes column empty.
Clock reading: 5:24
